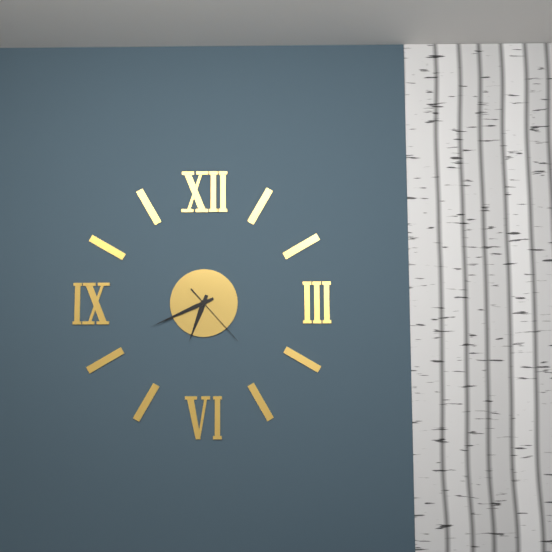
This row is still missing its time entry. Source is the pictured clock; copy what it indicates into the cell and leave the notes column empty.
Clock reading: 6:41:23
